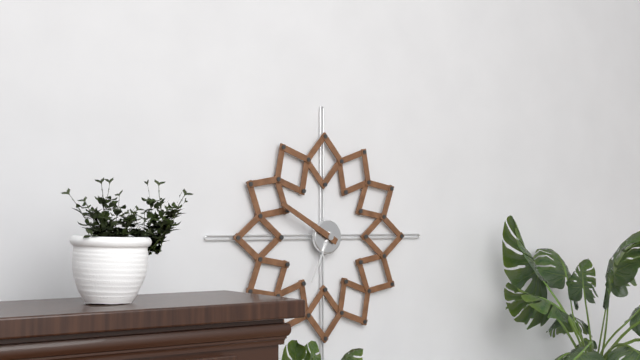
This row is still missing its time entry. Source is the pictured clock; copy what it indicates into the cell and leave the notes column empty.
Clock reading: 6:50
